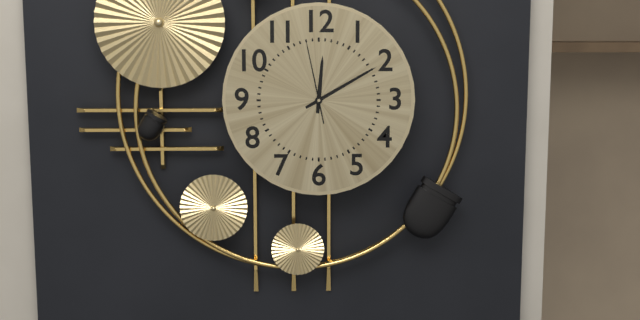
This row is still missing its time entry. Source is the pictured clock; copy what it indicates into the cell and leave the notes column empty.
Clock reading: 12:10:58
